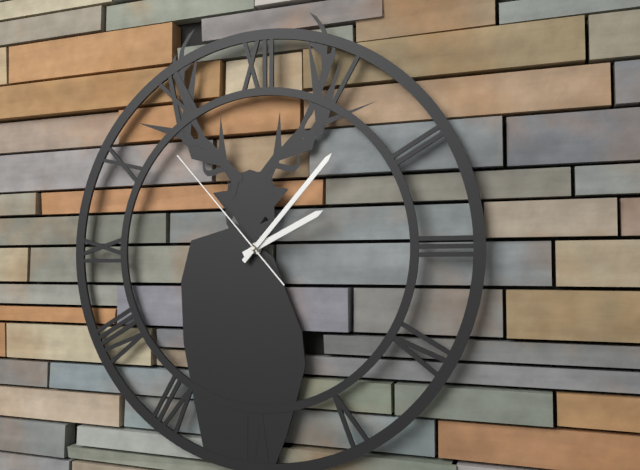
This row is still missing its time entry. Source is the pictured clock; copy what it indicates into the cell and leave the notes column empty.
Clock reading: 2:07:53
